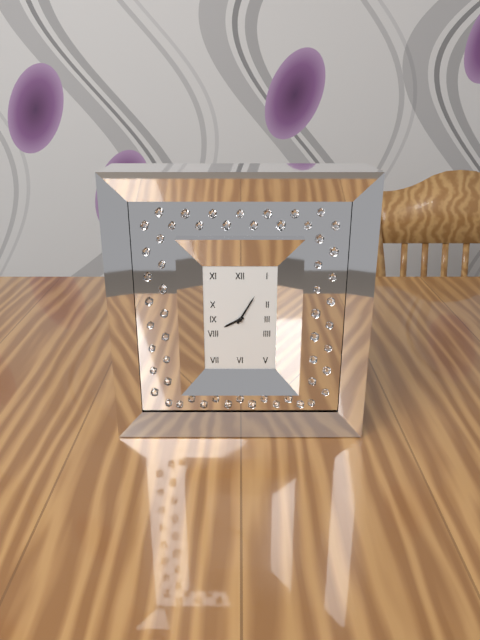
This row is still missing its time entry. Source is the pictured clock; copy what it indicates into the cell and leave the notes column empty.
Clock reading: 8:05
